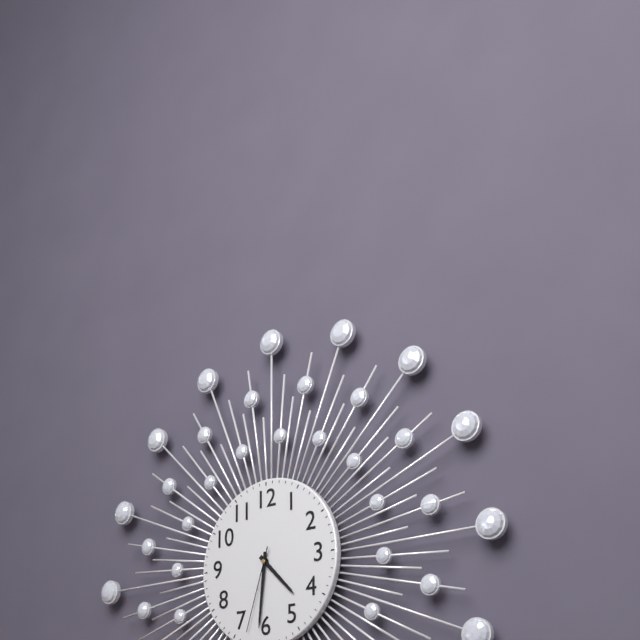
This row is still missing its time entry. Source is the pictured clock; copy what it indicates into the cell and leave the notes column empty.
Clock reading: 4:31:33
